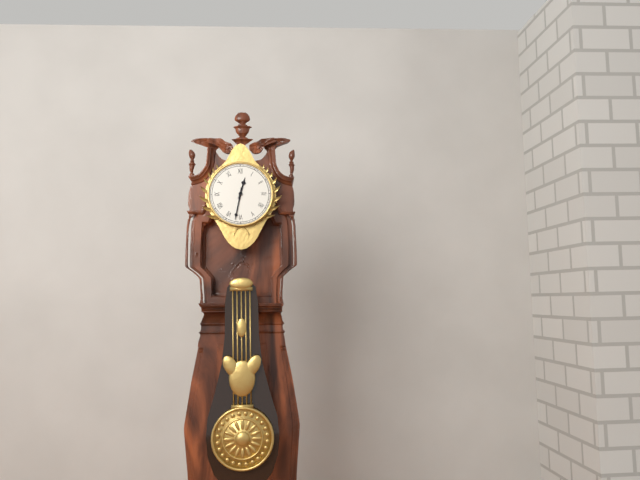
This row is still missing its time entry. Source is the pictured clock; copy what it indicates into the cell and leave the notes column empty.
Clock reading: 12:32
